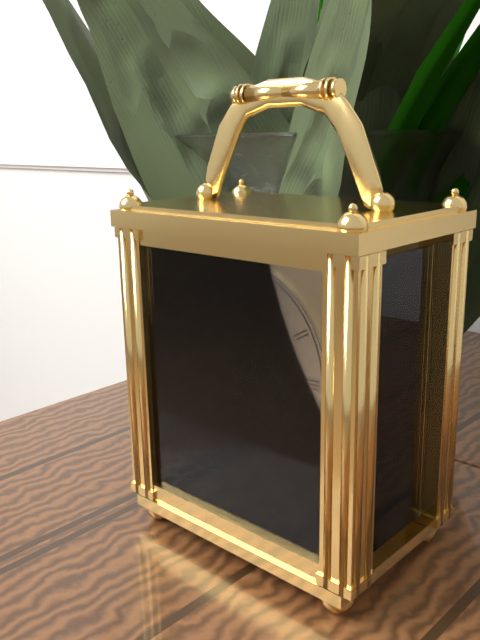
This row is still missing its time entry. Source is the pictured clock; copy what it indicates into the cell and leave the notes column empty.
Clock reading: 10:02
